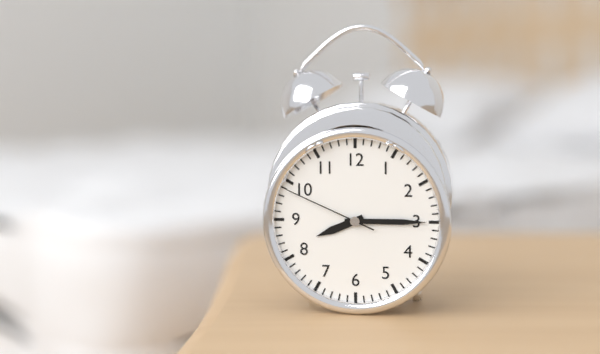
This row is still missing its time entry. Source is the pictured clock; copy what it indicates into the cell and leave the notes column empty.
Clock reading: 8:15:49
